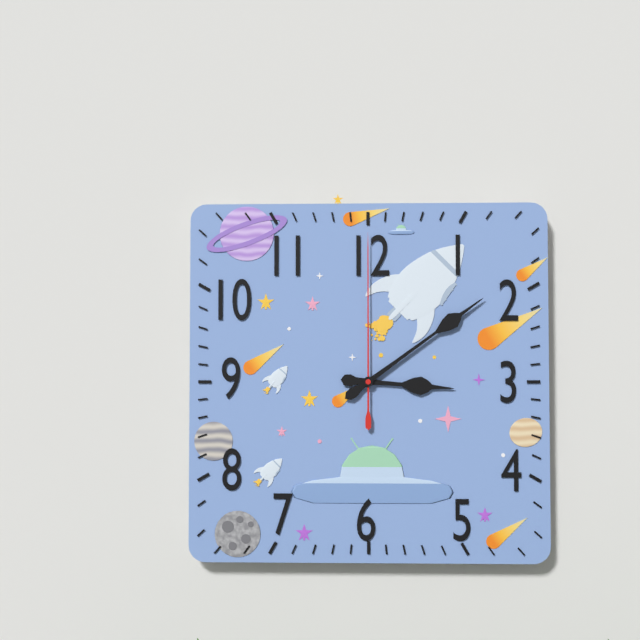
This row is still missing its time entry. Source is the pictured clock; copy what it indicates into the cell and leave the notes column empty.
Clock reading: 3:09:00
